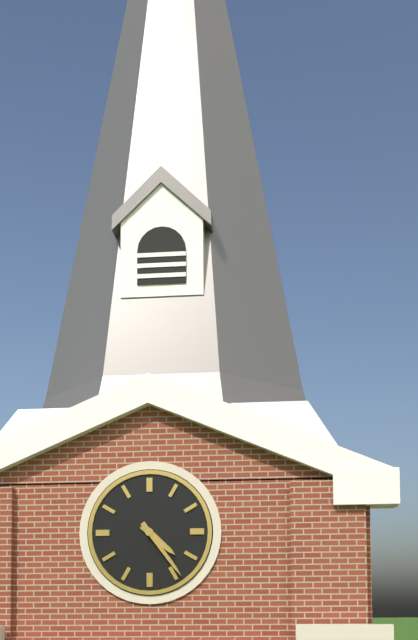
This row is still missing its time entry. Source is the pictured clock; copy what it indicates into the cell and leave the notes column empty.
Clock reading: 4:24
